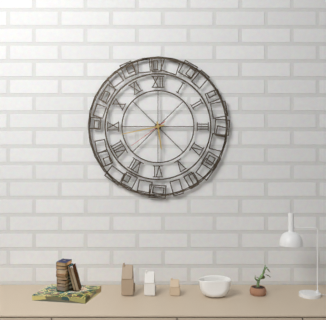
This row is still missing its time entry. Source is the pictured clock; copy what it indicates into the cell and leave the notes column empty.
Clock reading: 5:43
